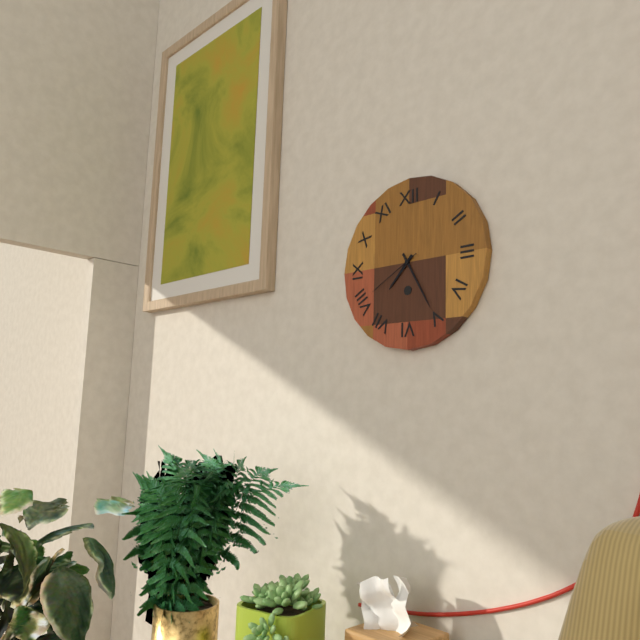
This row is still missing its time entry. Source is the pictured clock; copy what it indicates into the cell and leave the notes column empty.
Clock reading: 7:25:40
